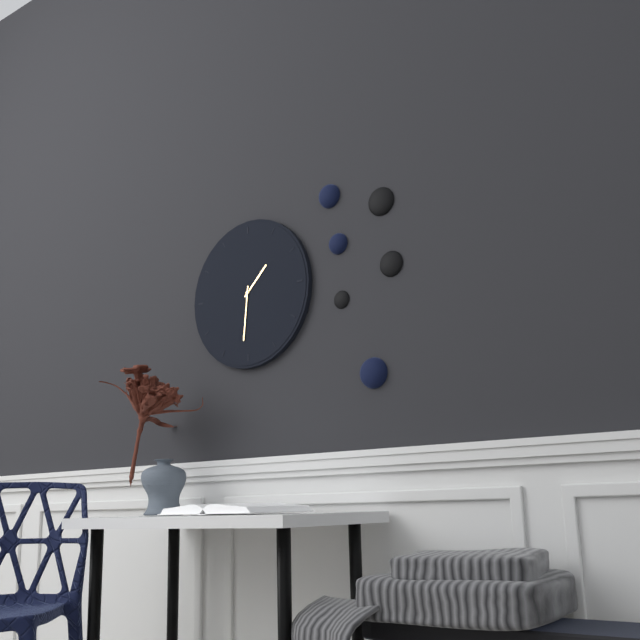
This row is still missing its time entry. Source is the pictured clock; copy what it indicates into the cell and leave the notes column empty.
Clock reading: 1:31
